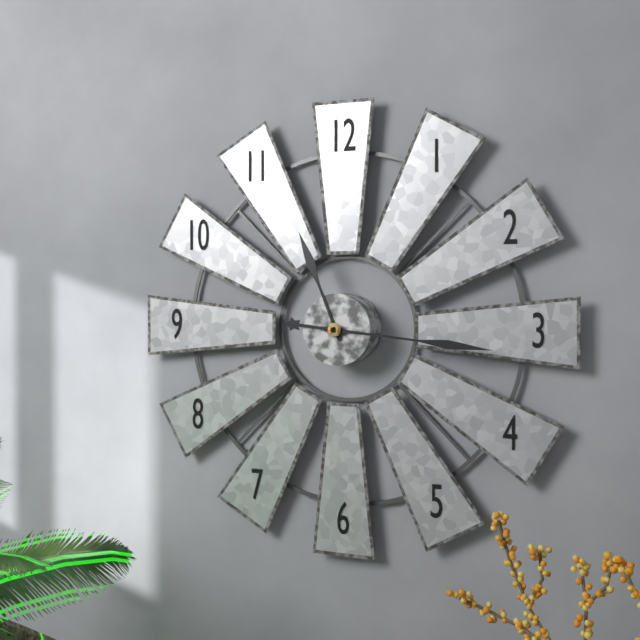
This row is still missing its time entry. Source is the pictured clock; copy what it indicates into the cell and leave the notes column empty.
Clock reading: 11:16
